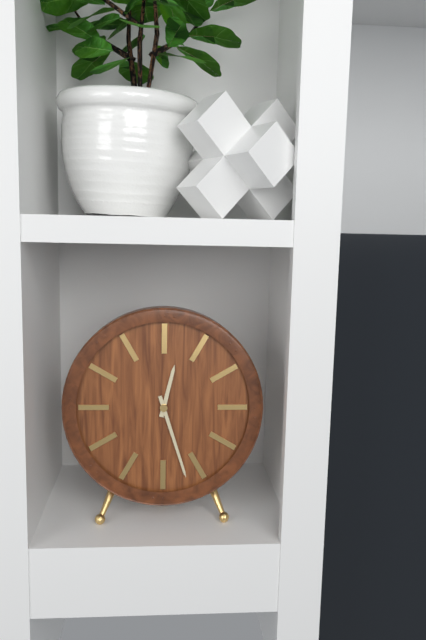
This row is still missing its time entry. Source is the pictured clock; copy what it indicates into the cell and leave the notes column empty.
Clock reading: 12:27
